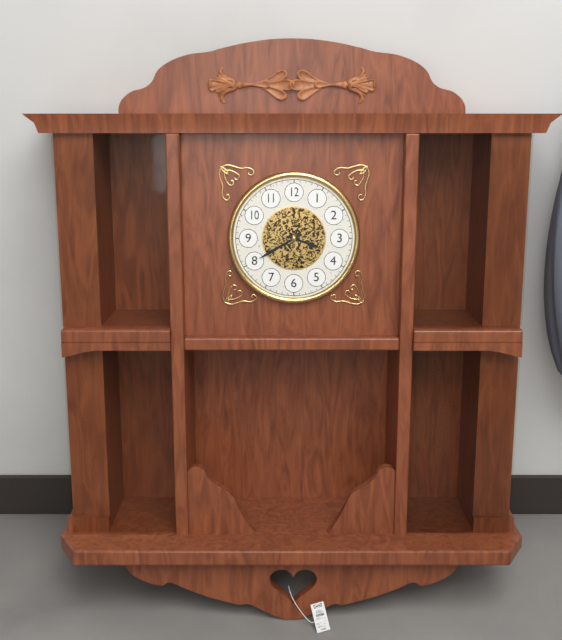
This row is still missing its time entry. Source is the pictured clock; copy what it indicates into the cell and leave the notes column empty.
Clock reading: 3:40
